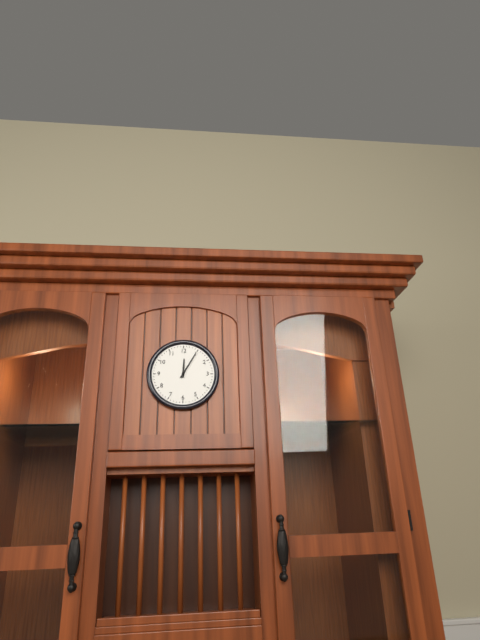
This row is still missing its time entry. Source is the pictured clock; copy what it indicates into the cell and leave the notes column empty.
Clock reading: 12:05
